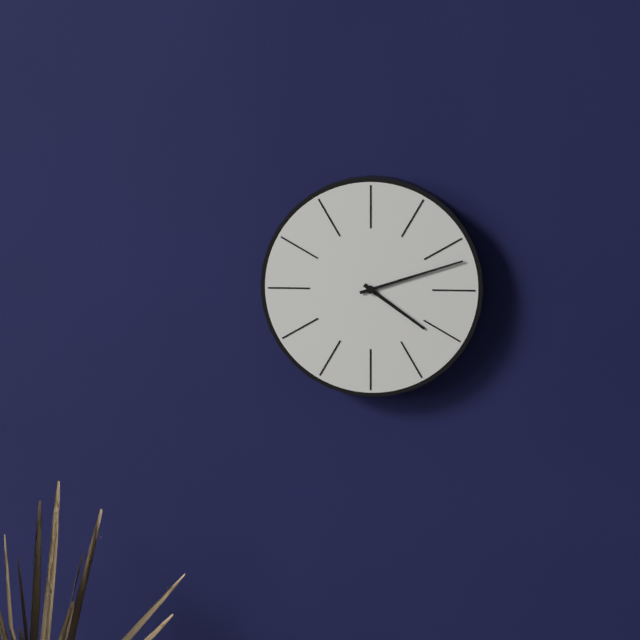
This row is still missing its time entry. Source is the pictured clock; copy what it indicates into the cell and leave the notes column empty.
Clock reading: 4:12
